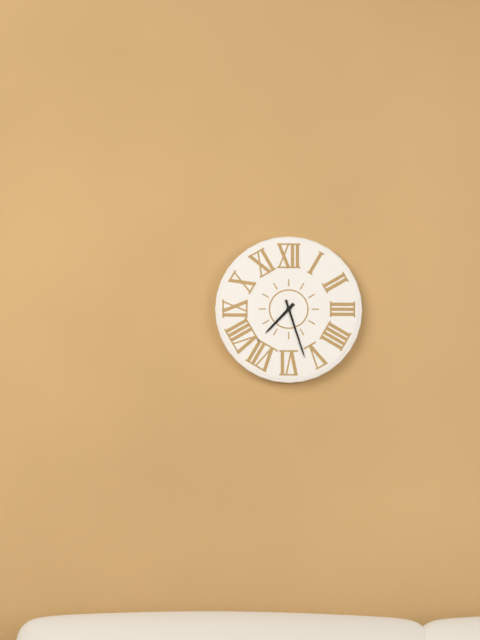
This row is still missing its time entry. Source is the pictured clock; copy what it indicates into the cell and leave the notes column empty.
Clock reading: 7:27
